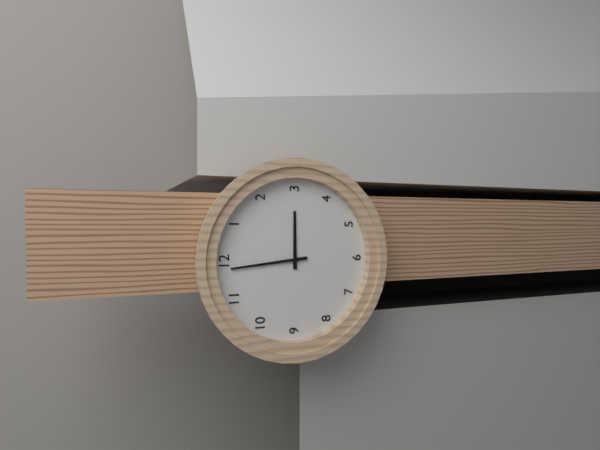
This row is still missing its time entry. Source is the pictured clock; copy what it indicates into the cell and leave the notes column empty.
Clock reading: 2:59
